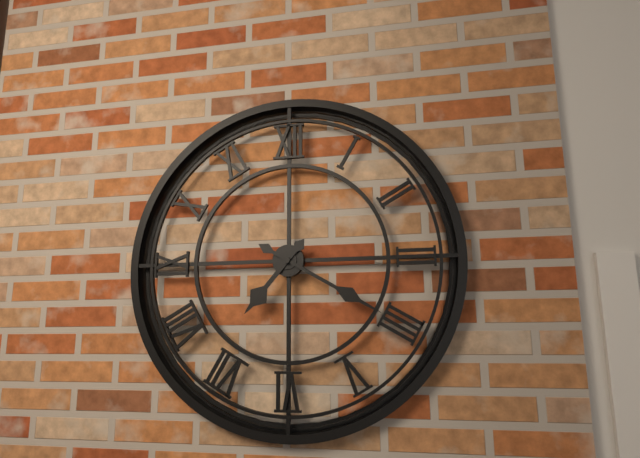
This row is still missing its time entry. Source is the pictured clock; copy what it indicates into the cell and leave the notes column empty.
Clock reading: 7:20
